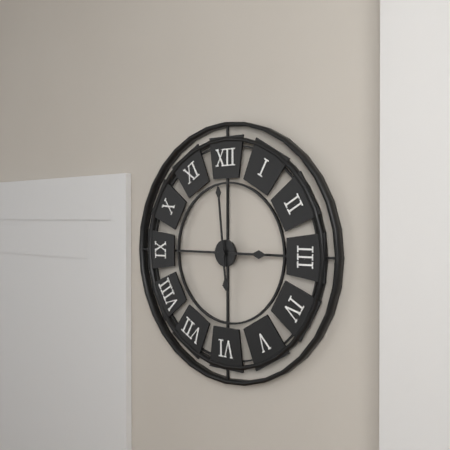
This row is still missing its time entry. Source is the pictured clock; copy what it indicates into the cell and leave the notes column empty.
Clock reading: 2:59
